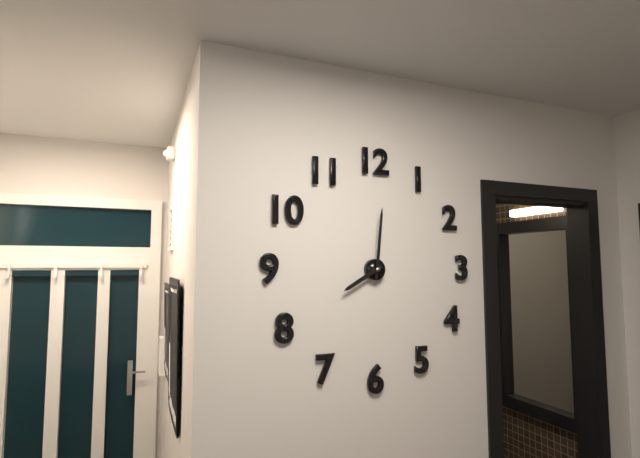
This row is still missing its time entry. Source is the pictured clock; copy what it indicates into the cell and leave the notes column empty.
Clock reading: 8:01
